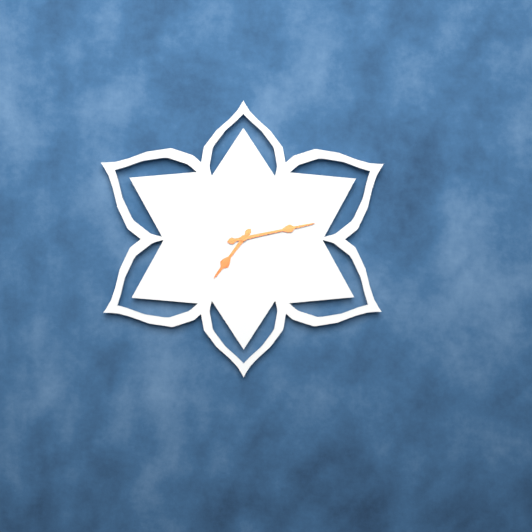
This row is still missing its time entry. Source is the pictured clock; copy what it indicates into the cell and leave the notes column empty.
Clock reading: 7:13
